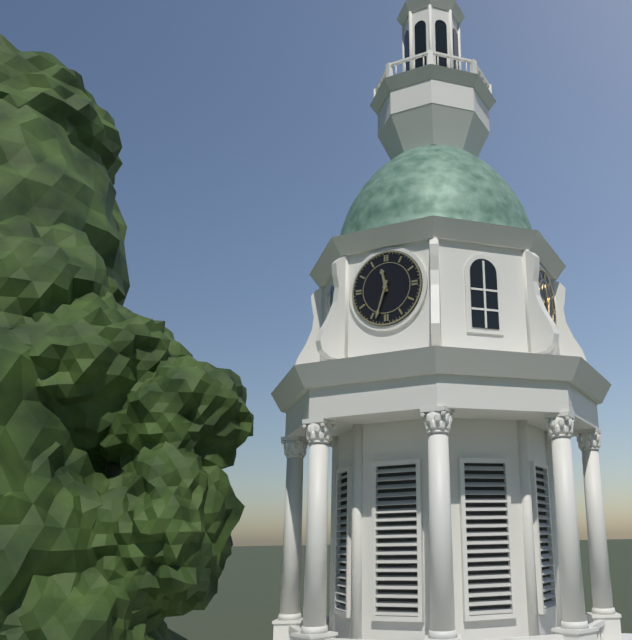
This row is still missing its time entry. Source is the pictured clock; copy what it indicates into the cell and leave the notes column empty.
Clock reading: 11:33
